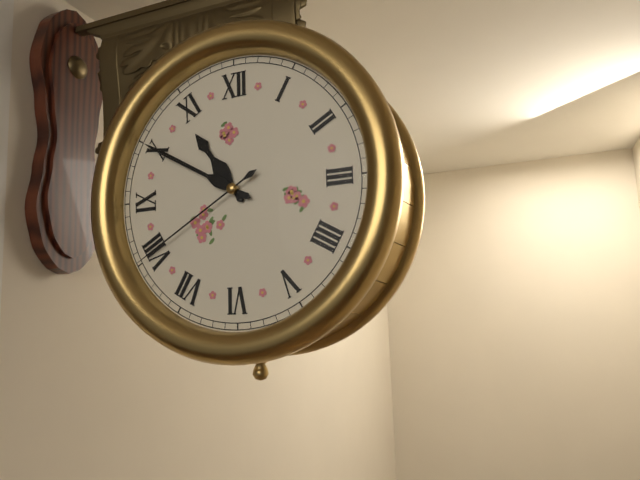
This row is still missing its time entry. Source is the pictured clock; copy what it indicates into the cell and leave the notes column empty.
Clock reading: 10:50:40
